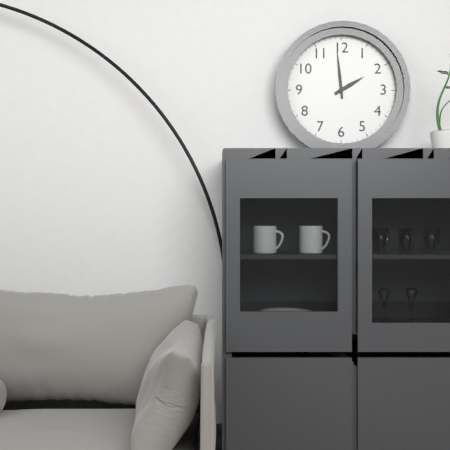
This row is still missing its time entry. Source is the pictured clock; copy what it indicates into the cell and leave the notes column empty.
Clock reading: 1:59
